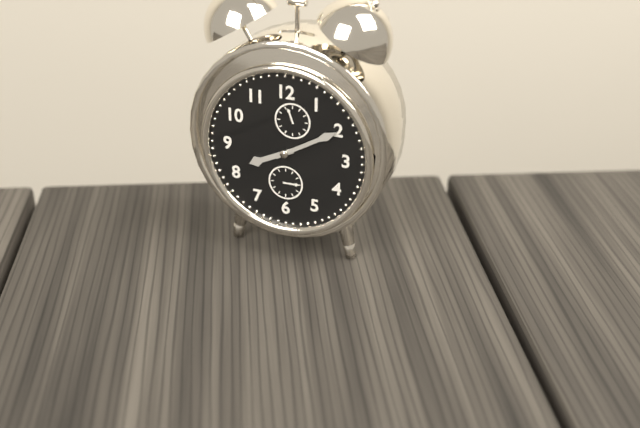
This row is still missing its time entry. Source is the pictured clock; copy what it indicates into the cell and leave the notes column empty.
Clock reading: 8:10
